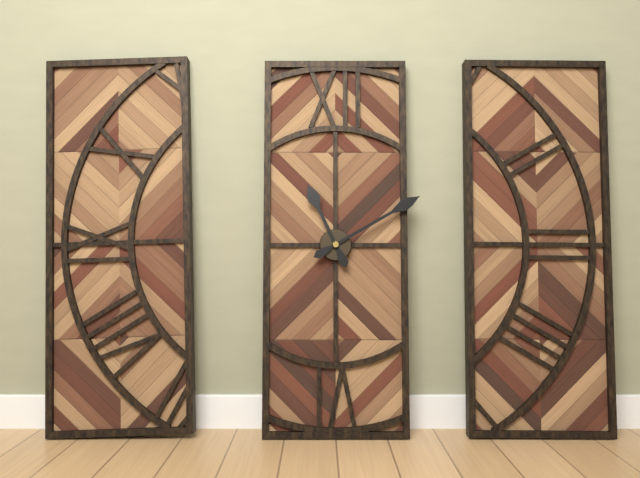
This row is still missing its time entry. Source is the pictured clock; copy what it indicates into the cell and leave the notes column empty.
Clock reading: 11:10
